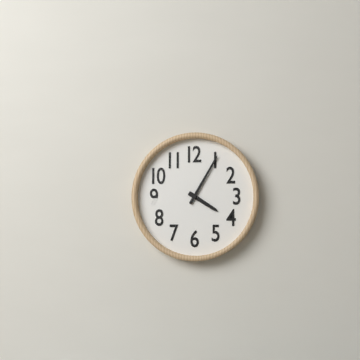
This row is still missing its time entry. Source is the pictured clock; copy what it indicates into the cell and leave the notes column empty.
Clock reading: 4:05
